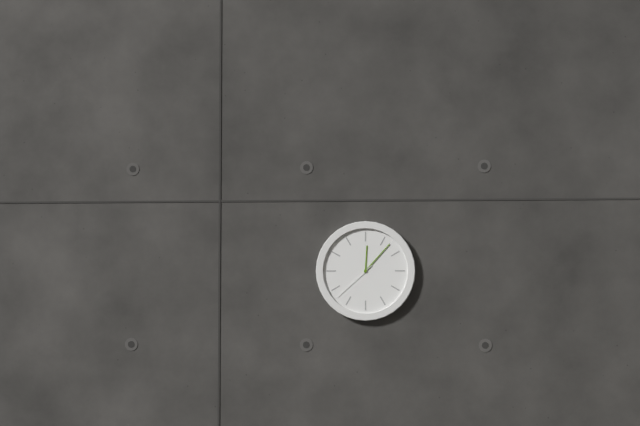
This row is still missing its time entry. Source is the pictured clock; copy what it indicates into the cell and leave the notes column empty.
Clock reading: 12:07
